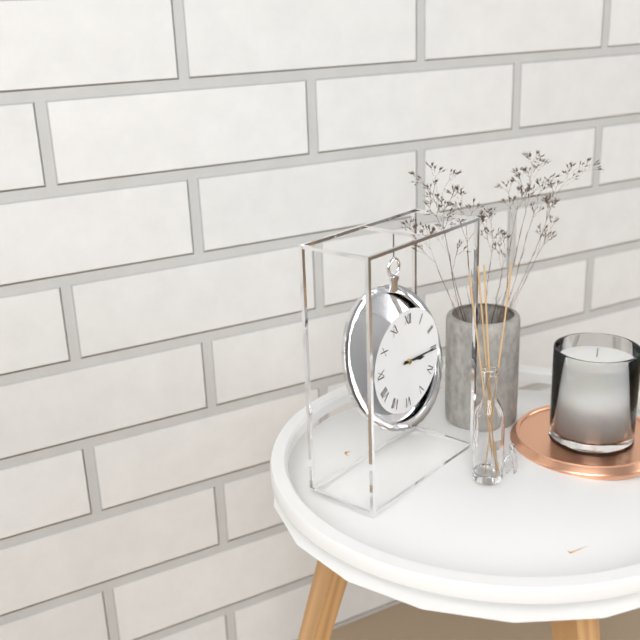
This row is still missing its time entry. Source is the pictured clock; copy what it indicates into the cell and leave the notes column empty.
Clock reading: 3:15
